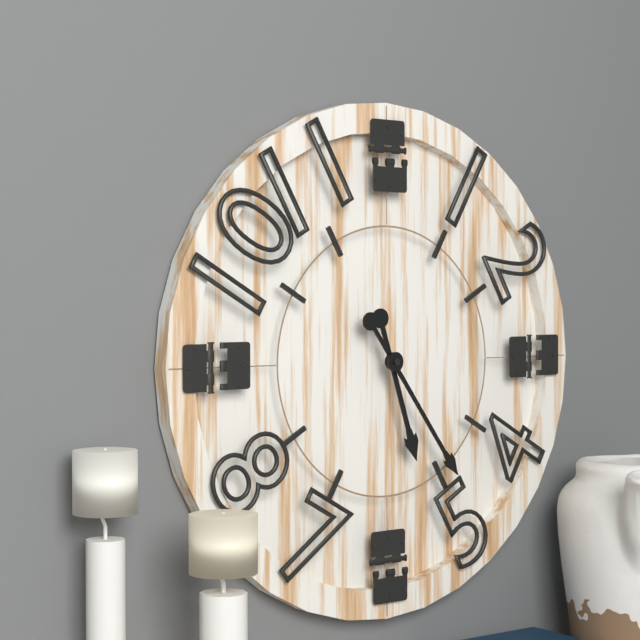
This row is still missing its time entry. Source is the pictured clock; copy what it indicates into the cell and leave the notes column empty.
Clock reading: 5:24
